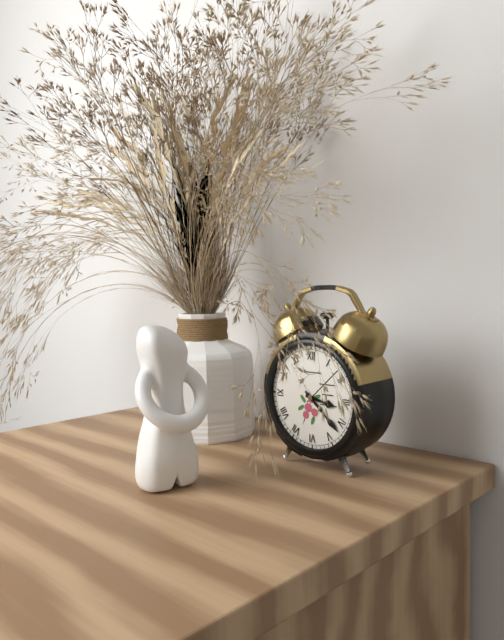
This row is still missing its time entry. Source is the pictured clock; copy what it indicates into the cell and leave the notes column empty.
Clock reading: 3:22
